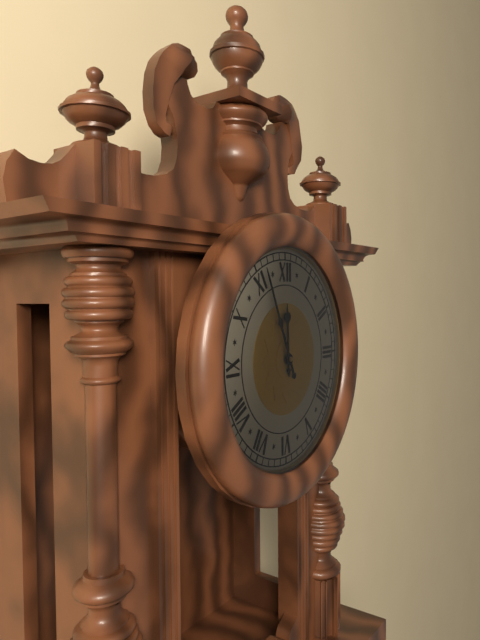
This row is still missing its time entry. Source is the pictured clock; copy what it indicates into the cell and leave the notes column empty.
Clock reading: 11:56
